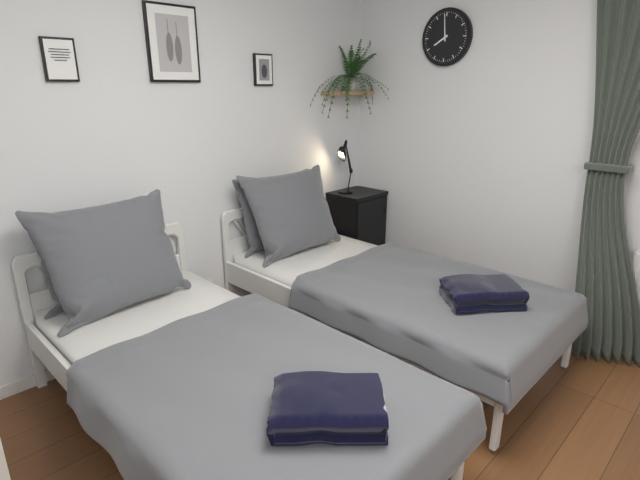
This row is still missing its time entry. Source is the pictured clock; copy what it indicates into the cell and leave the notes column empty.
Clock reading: 7:59
